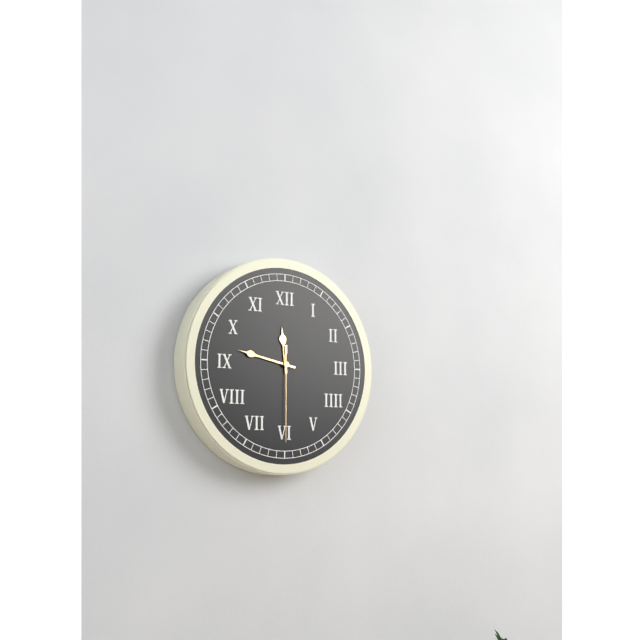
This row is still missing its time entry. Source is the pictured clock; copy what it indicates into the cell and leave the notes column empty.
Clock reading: 11:47:30
